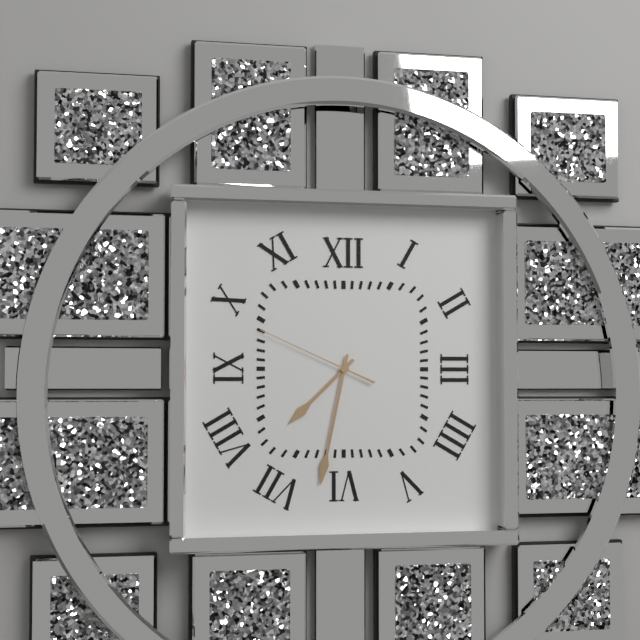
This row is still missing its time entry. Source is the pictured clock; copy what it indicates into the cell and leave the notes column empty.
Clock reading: 7:32:49
